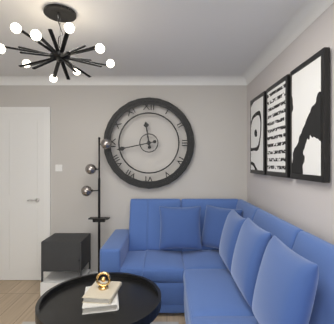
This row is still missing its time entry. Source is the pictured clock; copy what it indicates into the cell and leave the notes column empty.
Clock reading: 11:43
